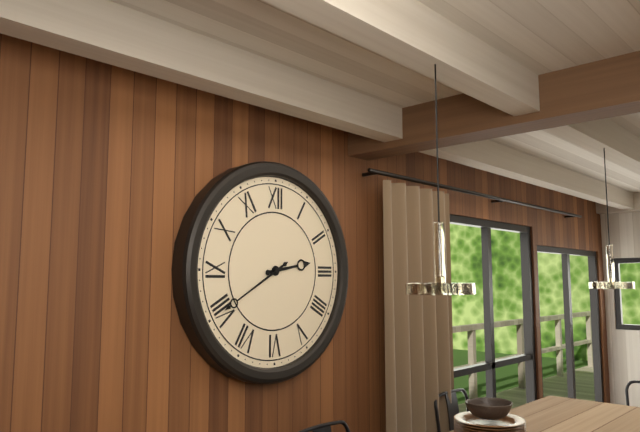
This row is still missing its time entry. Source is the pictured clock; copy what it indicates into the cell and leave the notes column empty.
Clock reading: 2:40
